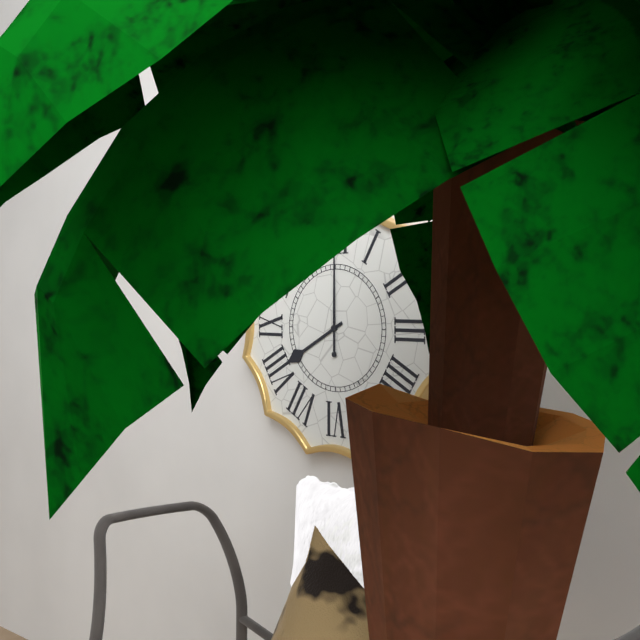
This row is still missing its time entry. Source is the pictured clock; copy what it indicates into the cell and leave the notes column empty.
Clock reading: 8:00
